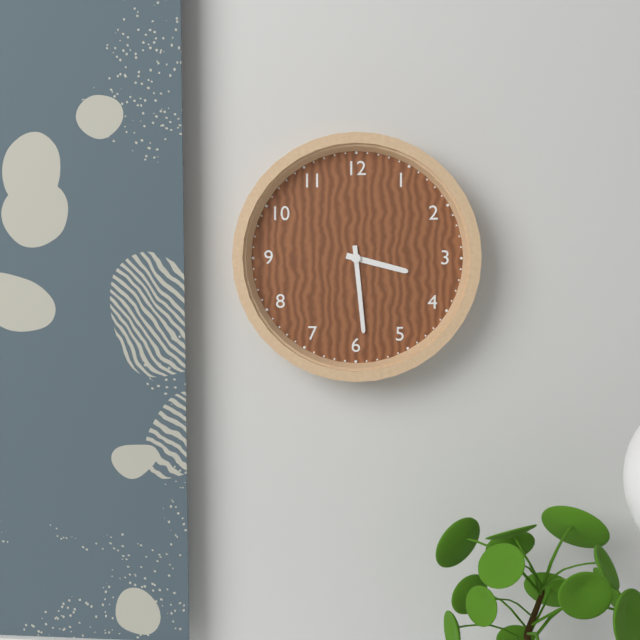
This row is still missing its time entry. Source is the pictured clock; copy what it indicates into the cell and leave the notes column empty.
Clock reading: 3:29
